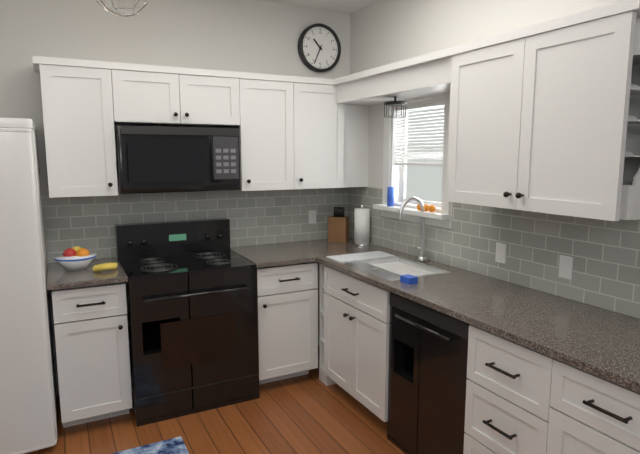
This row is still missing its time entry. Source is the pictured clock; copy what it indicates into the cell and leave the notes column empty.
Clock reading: 10:34
